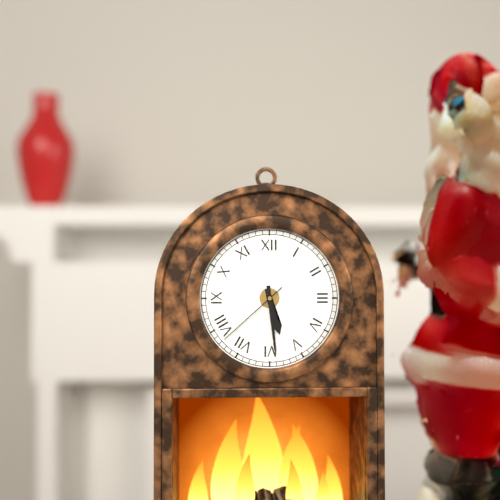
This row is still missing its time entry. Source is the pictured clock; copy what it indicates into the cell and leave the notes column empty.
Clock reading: 5:29:38
